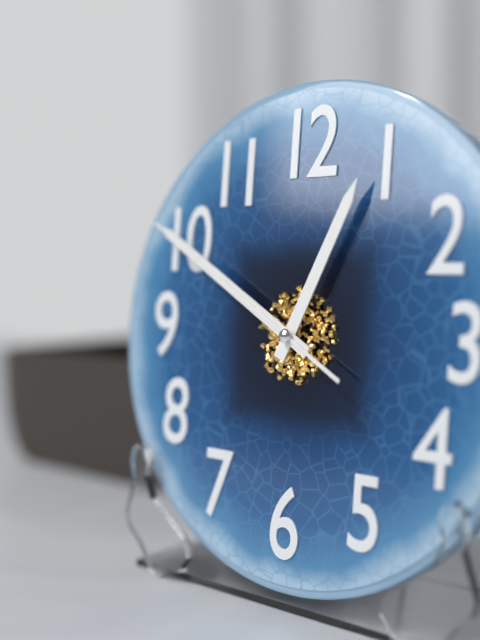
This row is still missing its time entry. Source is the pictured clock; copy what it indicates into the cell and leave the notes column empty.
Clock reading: 12:50:50
